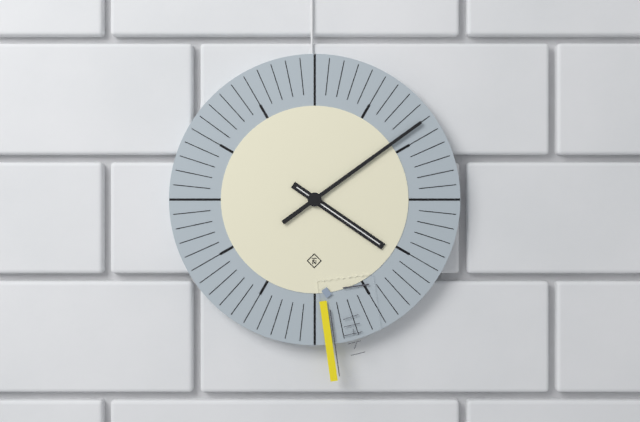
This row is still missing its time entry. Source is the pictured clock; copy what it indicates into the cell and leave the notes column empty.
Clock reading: 4:09
